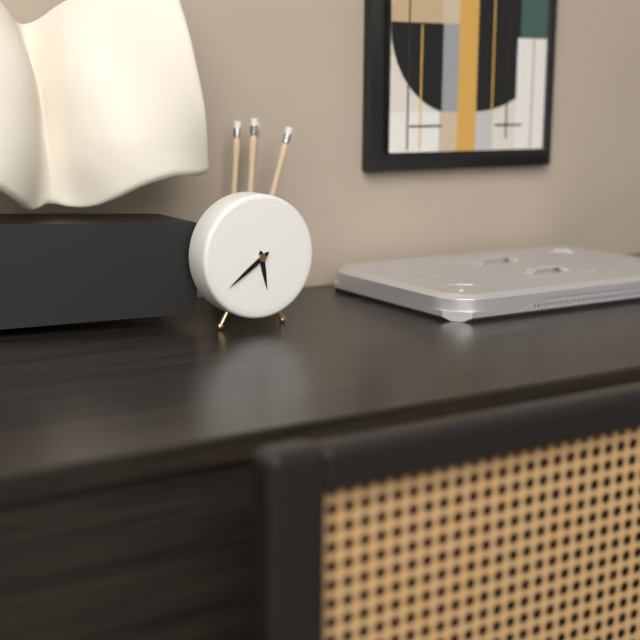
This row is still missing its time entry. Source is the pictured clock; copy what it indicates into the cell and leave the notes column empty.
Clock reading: 5:39
